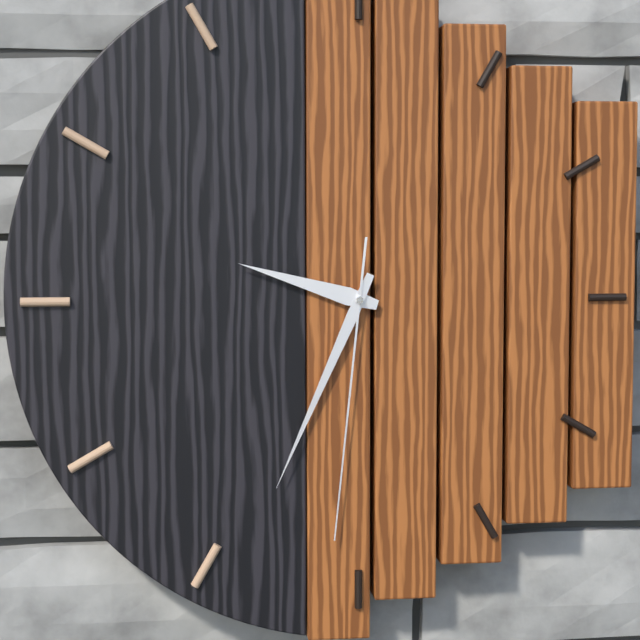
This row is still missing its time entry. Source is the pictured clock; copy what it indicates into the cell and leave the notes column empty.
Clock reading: 9:34:31
